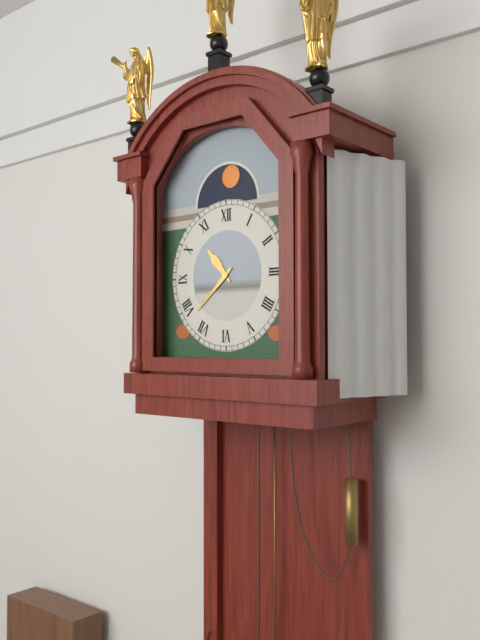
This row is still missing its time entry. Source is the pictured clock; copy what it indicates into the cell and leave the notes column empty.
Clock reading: 10:38
